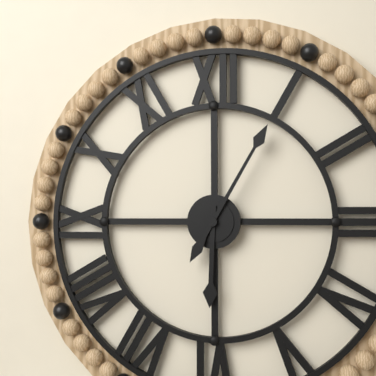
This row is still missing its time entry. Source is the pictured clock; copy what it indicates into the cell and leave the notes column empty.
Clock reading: 6:05
